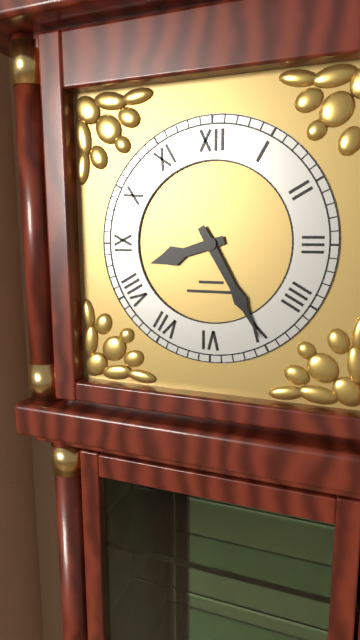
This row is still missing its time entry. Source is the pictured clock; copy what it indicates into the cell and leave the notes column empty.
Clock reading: 8:25
